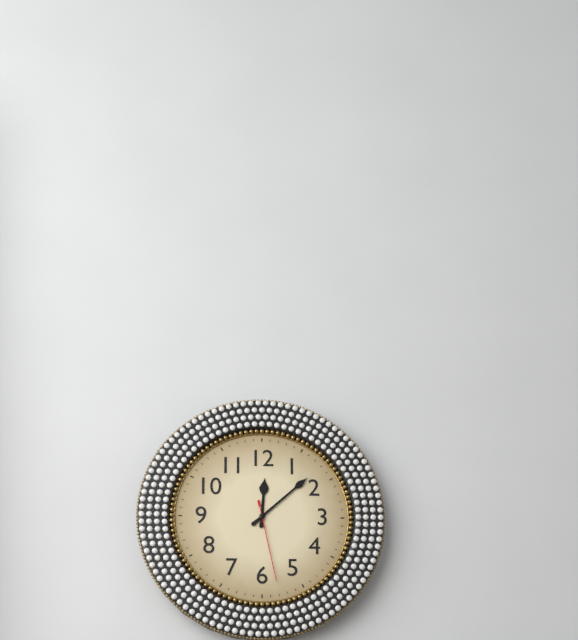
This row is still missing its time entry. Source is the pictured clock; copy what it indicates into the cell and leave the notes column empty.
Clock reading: 12:08:28
